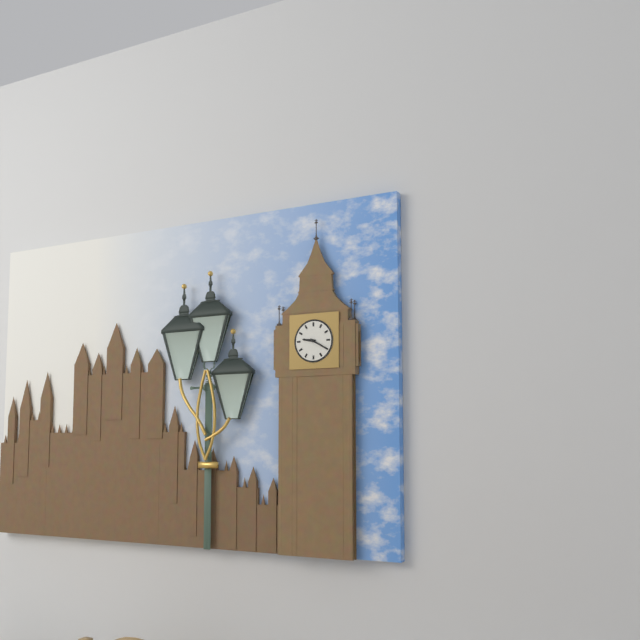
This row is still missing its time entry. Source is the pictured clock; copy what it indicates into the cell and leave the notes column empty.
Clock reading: 9:20
